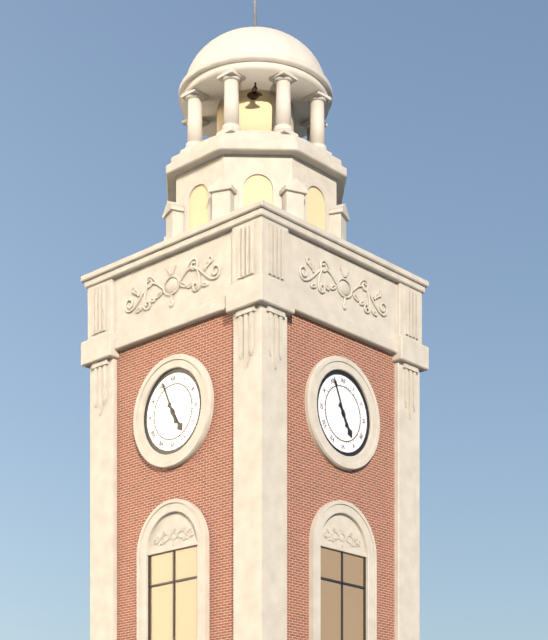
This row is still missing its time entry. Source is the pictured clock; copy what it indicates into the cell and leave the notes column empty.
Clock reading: 4:56
